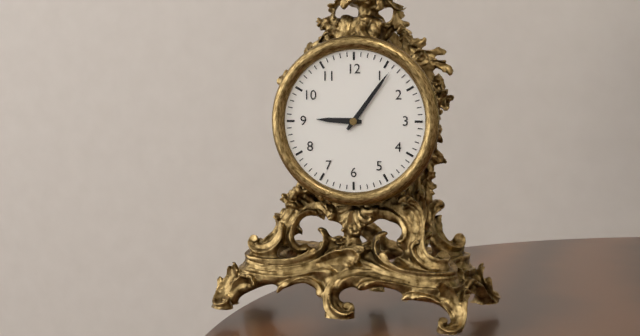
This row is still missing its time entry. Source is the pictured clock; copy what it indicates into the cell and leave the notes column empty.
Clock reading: 9:06
